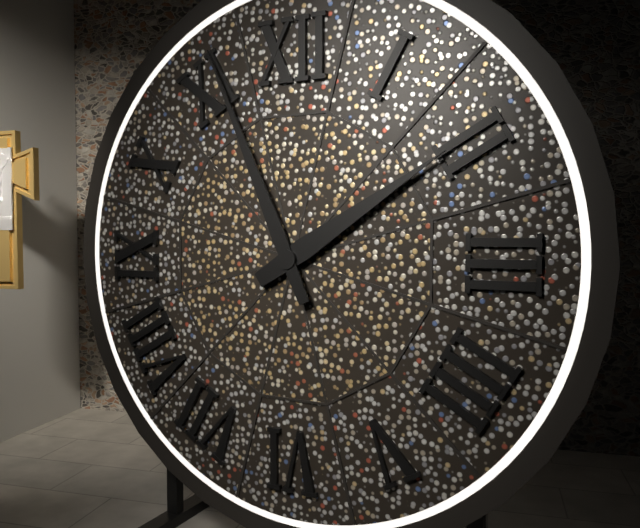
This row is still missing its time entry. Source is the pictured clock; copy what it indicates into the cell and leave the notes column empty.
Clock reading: 1:56
